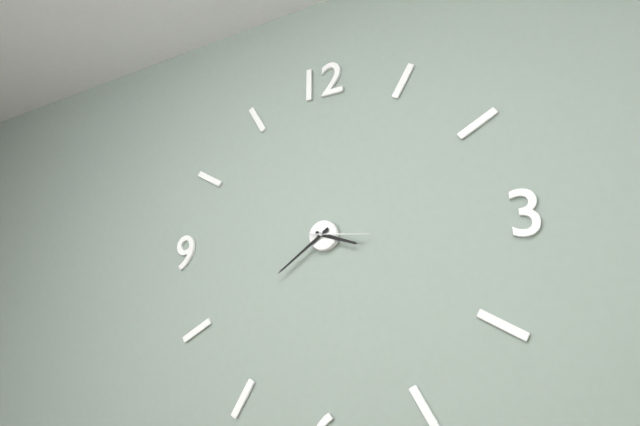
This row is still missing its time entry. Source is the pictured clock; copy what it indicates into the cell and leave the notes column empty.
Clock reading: 3:39:16
